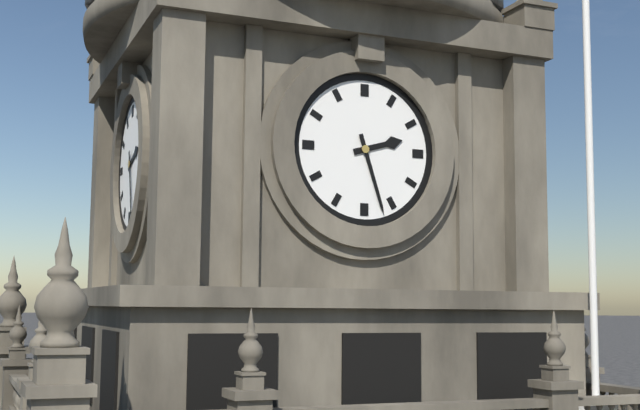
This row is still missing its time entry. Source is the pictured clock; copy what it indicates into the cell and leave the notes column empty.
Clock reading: 2:27
